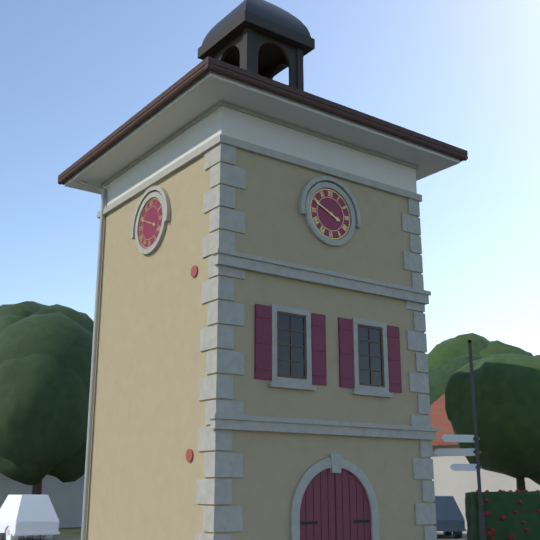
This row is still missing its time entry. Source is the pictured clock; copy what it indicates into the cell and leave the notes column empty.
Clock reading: 3:49
